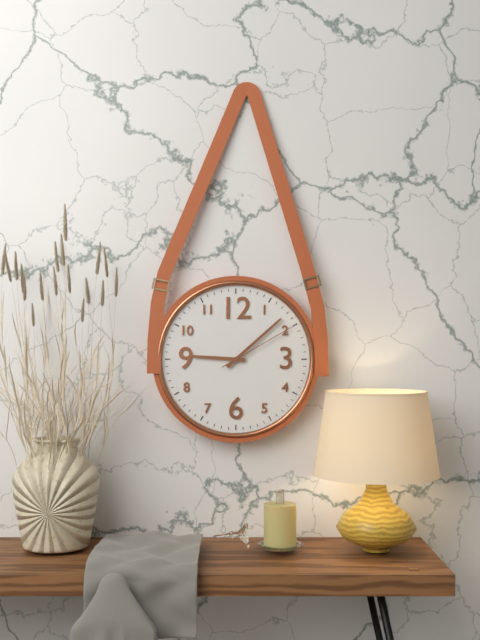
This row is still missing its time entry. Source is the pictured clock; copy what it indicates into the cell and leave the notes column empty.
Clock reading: 9:08:10
